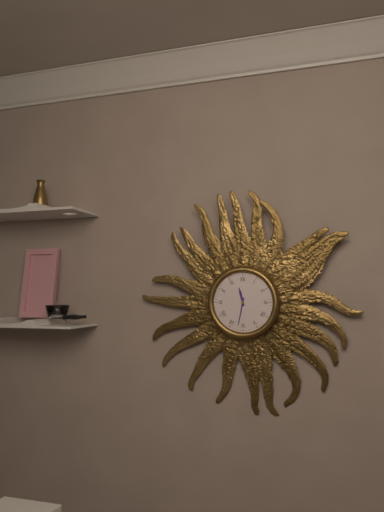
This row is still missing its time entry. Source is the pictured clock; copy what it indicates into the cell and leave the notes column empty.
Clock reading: 11:32
